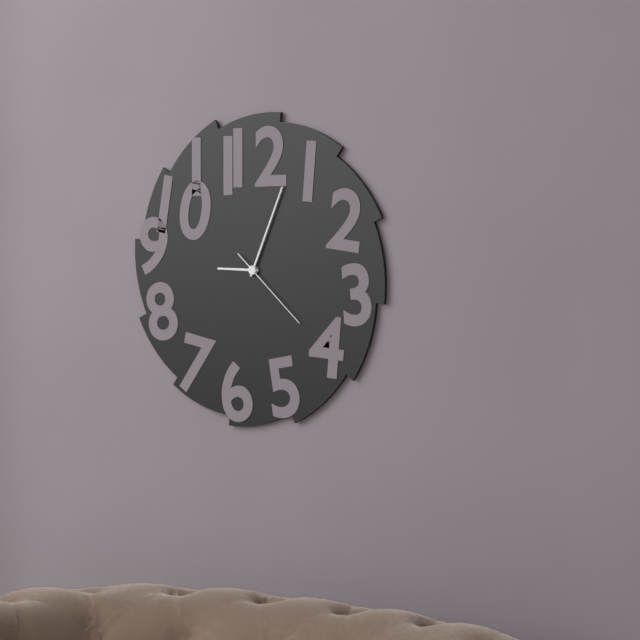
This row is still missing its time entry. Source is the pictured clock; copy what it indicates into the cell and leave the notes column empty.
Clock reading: 9:04:22
